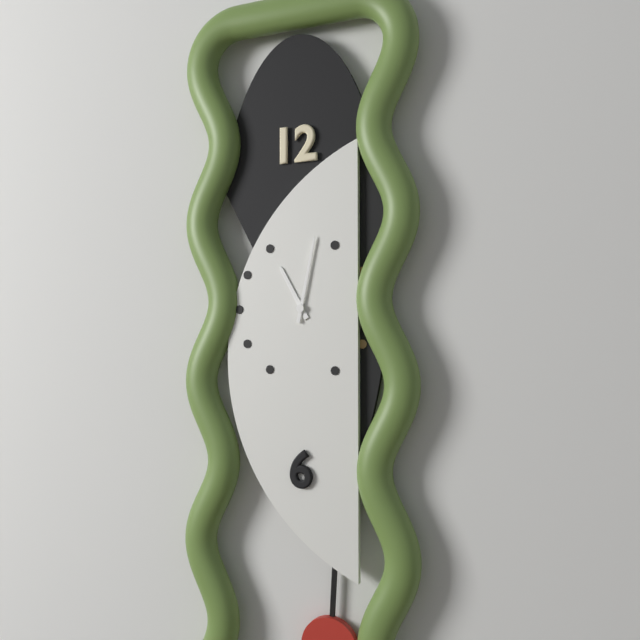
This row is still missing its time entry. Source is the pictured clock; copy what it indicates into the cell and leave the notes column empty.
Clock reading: 11:02
